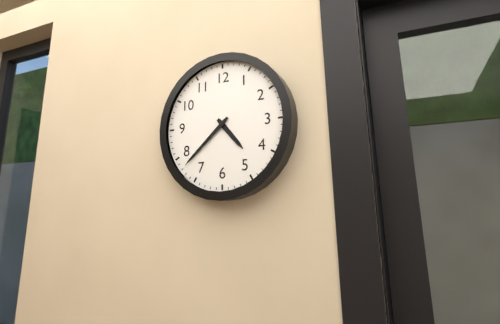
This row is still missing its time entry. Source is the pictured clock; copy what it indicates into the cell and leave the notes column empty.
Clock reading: 4:38
